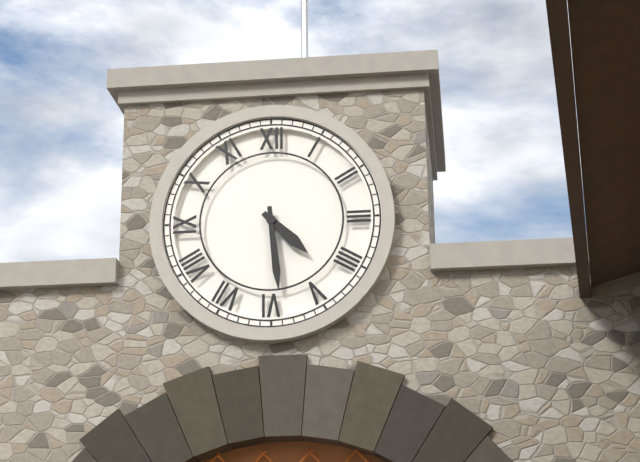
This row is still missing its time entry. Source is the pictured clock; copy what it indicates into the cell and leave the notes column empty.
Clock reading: 4:29
